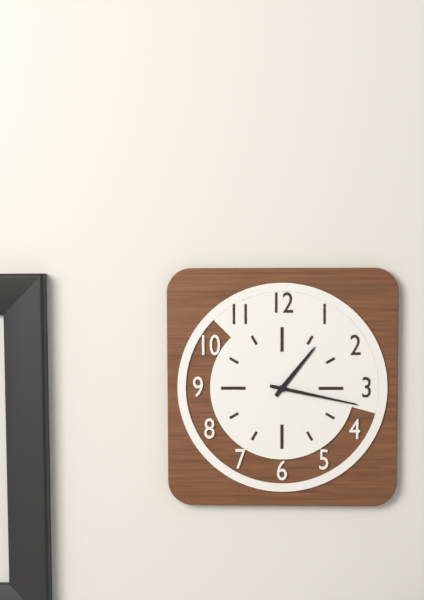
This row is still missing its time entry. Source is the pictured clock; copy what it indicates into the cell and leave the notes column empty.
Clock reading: 1:17
